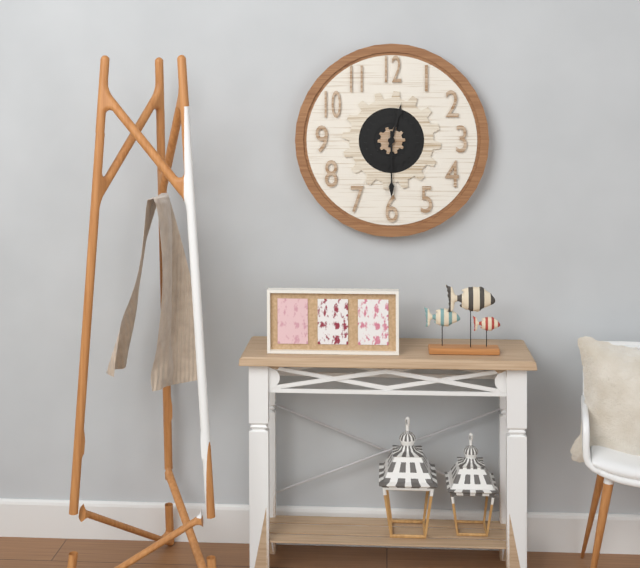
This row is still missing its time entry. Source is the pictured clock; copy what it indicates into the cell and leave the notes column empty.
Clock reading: 12:30
